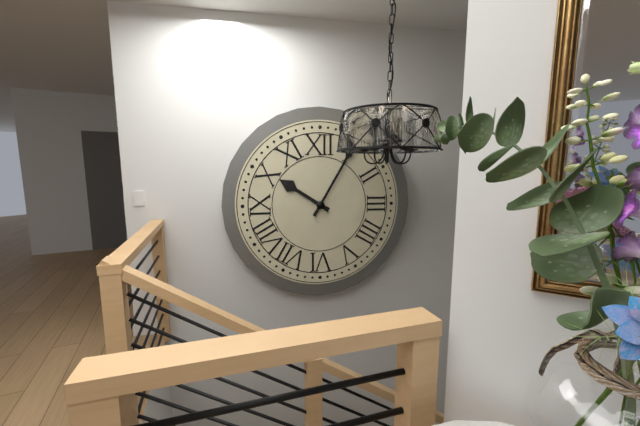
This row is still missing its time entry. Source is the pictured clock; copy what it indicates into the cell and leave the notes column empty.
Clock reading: 10:05
